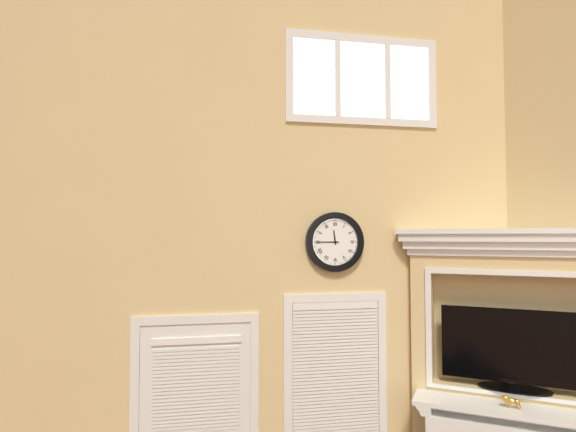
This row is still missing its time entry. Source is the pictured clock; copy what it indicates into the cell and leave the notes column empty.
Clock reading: 11:45
